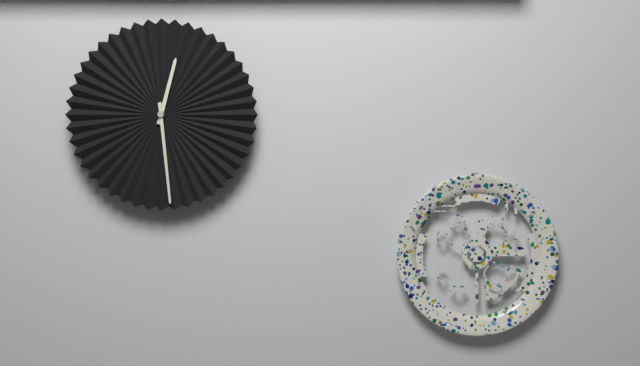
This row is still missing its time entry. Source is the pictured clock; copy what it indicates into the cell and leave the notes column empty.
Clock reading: 12:29
